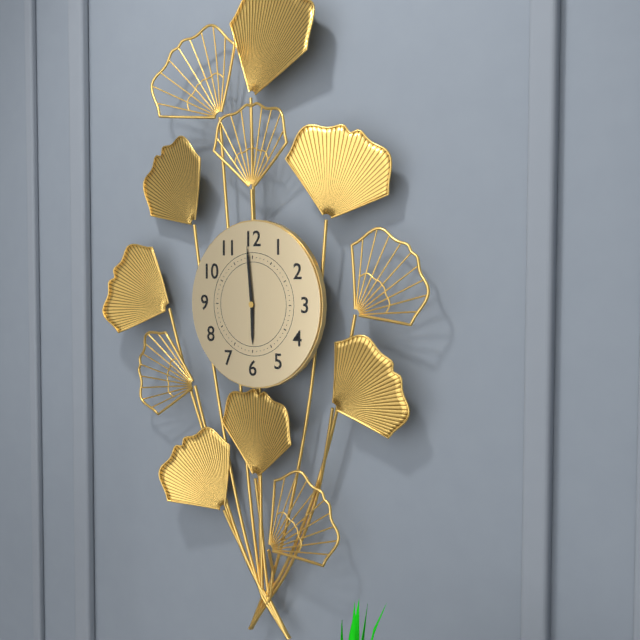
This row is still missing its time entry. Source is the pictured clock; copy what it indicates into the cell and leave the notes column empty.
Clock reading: 5:59
